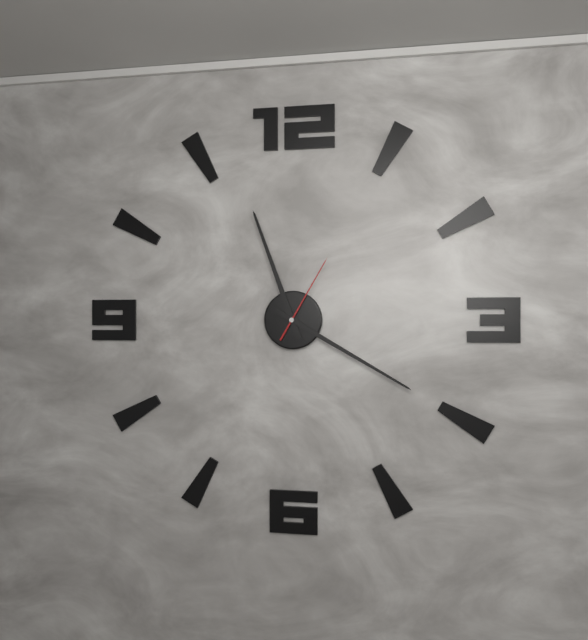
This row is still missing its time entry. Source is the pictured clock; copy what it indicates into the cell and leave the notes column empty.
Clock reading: 11:20:05
